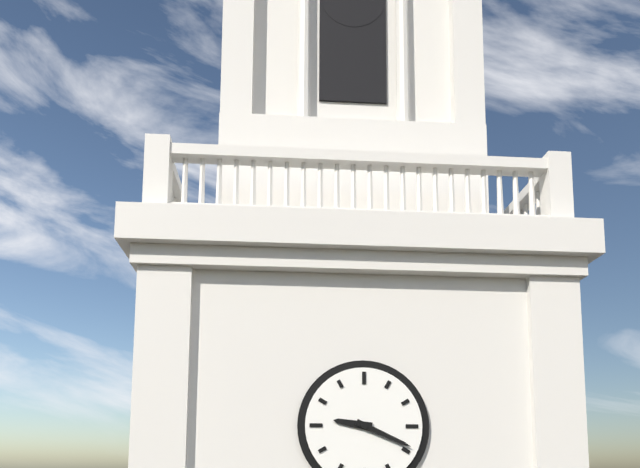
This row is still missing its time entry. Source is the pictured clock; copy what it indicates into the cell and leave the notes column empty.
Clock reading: 9:19
